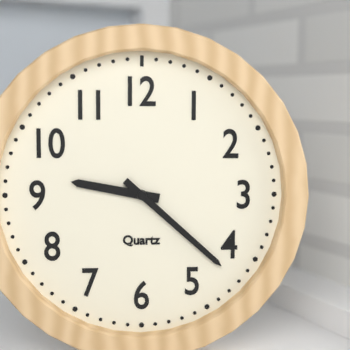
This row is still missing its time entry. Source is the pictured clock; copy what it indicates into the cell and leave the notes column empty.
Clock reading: 9:22
